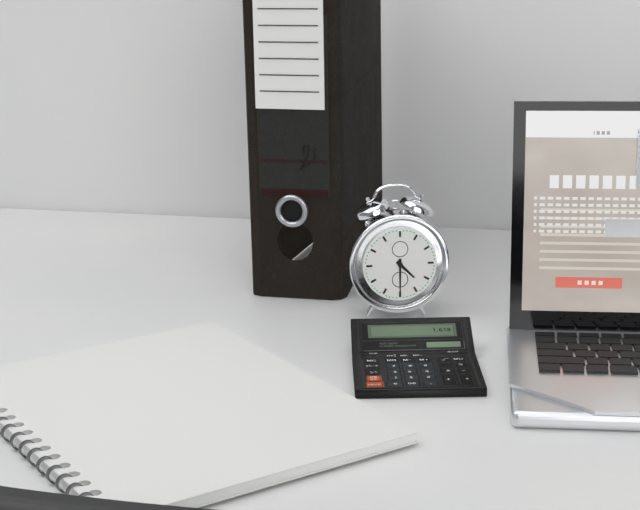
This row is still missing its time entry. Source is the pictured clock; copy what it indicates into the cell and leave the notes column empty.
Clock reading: 4:30
